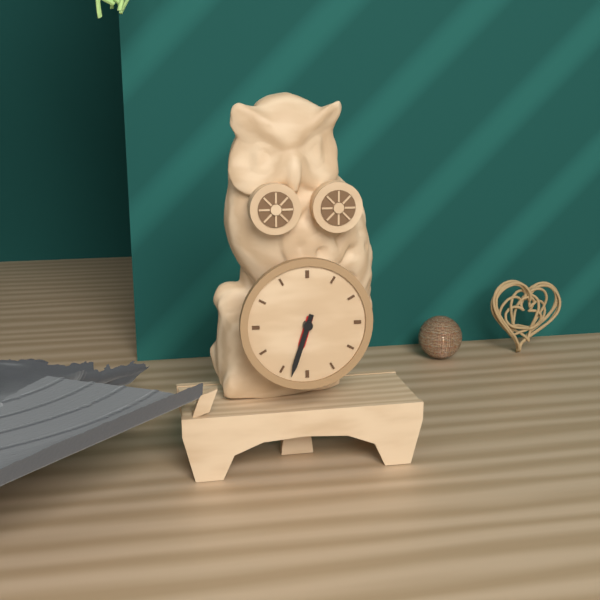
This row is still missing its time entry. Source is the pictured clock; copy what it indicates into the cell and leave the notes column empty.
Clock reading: 6:33
